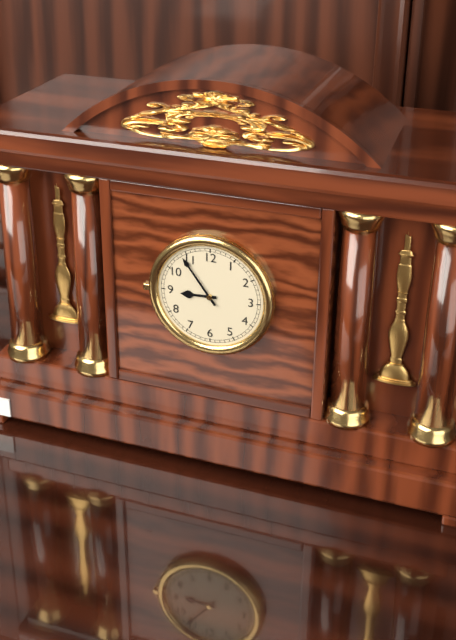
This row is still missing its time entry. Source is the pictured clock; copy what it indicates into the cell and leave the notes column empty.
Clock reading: 8:54
